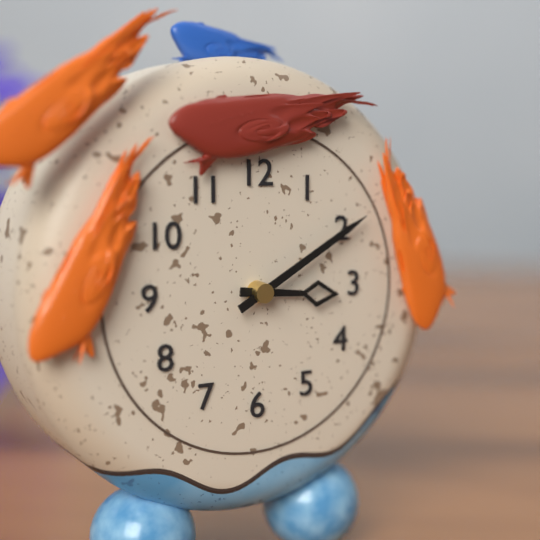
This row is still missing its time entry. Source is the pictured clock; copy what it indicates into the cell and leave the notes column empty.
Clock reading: 3:10
